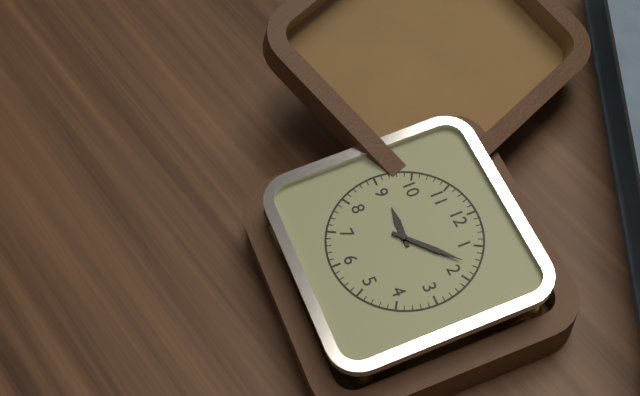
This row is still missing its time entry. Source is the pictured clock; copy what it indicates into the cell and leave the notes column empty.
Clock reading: 9:08
